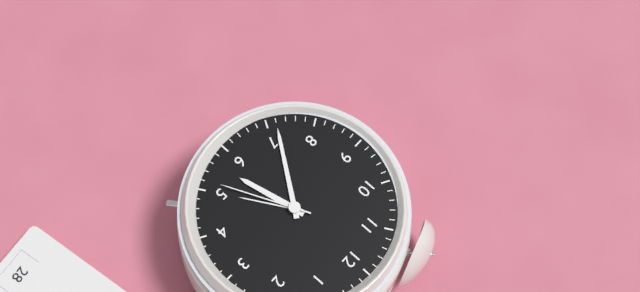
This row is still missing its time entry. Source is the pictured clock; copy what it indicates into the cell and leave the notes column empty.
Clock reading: 5:36:26
